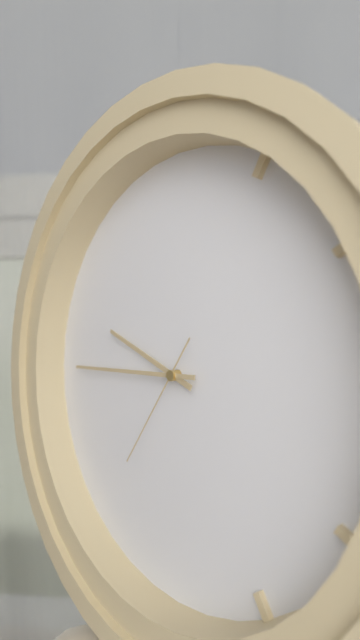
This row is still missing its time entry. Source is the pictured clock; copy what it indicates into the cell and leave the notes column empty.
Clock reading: 9:45:36
